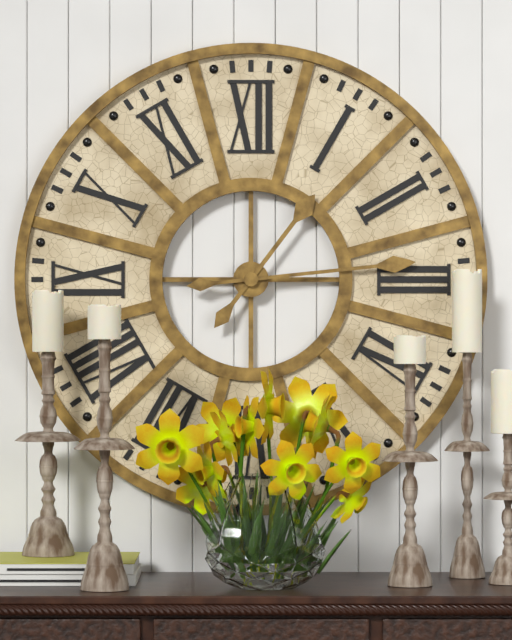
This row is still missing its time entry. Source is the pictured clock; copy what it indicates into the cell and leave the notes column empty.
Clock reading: 1:14
